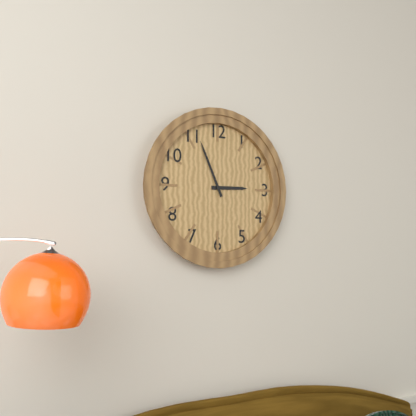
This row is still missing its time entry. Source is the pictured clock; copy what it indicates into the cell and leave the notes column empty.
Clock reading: 2:56
